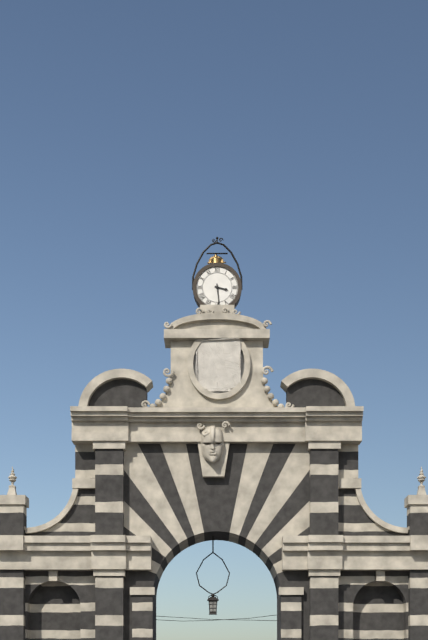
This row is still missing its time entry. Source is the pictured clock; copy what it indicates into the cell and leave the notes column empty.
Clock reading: 3:29
